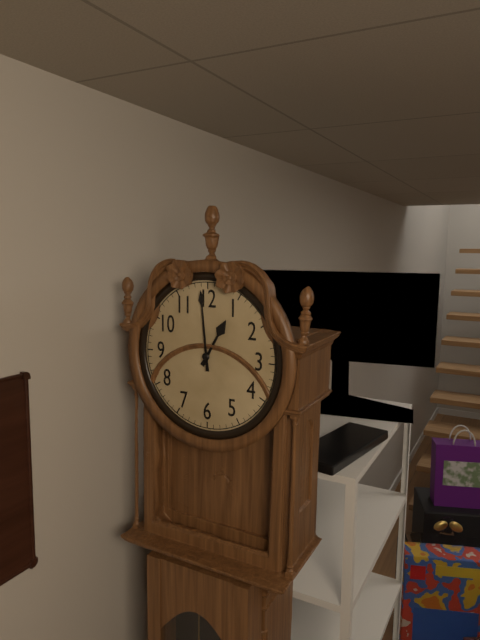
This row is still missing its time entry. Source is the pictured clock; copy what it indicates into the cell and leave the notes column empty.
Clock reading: 12:59
